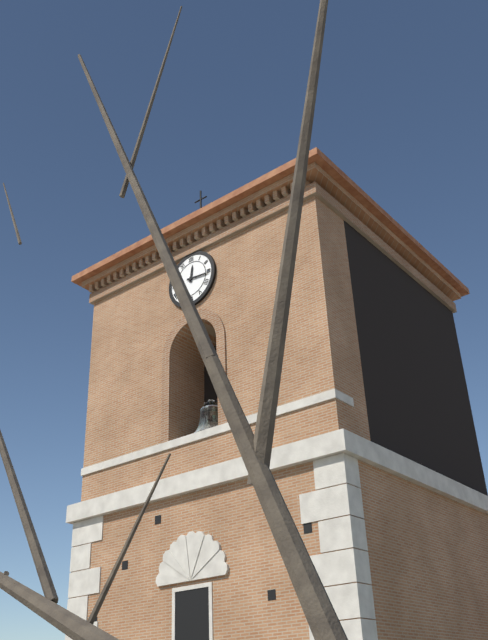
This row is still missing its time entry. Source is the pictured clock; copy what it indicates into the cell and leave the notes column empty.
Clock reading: 12:16
